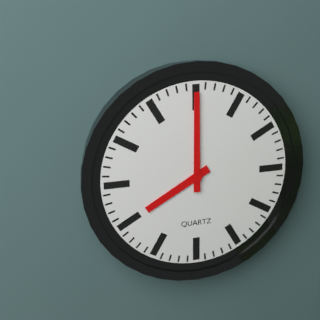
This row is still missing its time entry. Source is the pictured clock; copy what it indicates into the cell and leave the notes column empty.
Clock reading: 8:00
